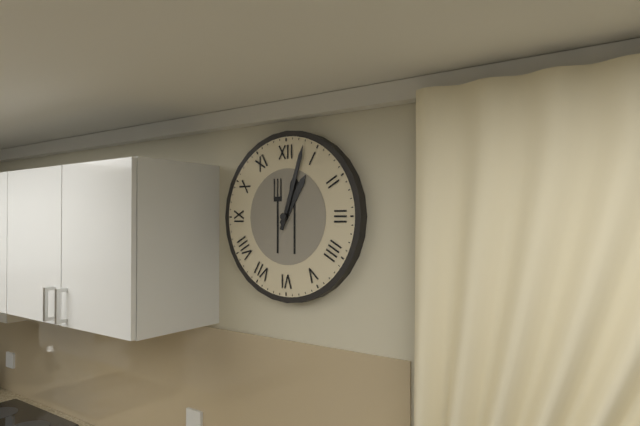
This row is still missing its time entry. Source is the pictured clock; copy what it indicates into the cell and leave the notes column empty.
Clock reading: 1:03
